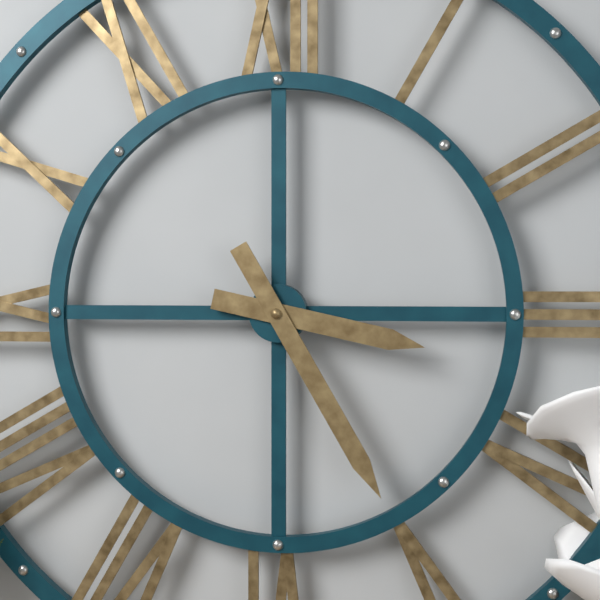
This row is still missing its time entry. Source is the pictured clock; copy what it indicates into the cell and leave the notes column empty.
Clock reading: 3:25
